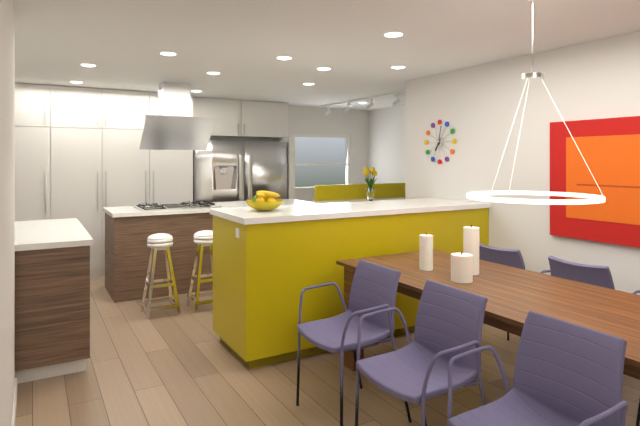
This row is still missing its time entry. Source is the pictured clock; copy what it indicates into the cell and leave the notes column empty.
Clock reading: 7:02
